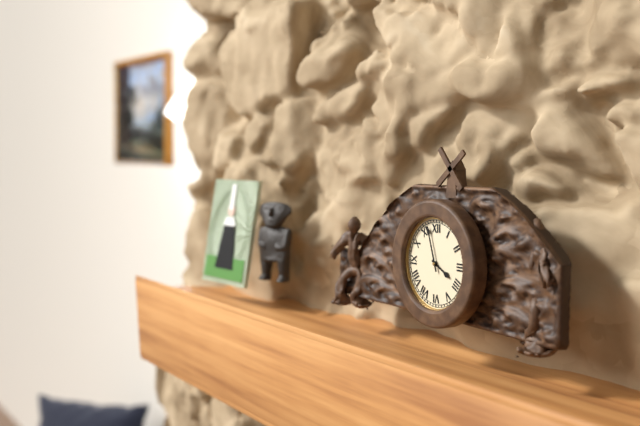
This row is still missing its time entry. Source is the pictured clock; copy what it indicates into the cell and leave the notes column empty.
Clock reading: 3:57
